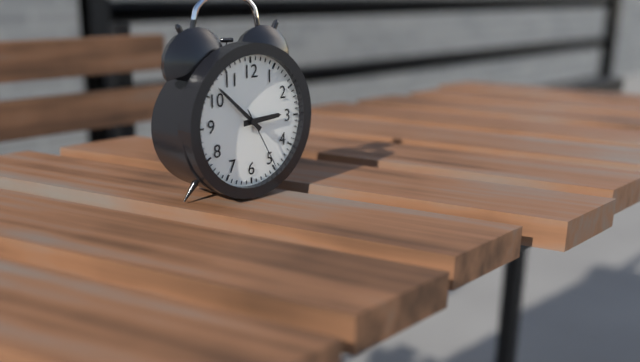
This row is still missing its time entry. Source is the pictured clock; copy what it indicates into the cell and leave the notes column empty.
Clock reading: 2:52:25
